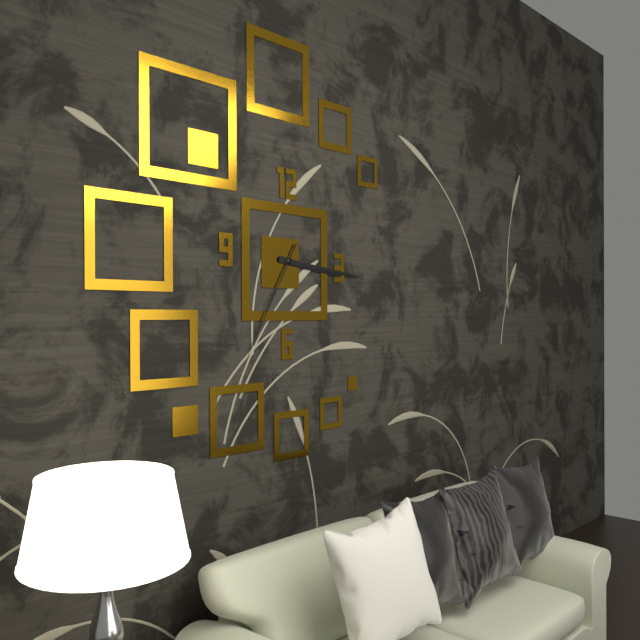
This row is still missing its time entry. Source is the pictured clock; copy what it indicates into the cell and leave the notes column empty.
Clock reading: 3:16:35
